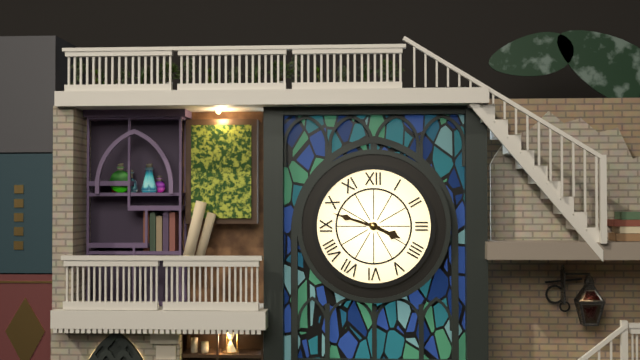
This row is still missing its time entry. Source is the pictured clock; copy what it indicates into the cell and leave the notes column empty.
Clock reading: 3:48
